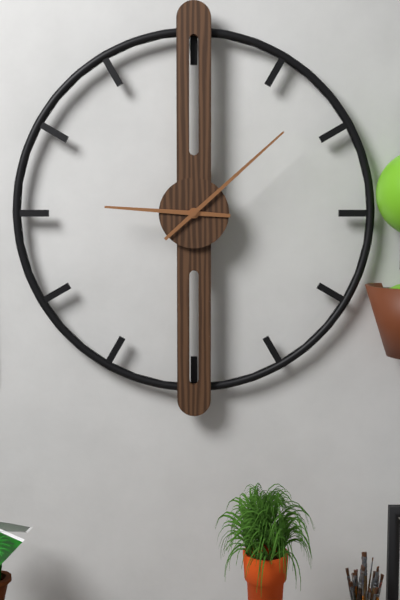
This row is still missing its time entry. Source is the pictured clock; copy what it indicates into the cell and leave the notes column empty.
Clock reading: 9:08
